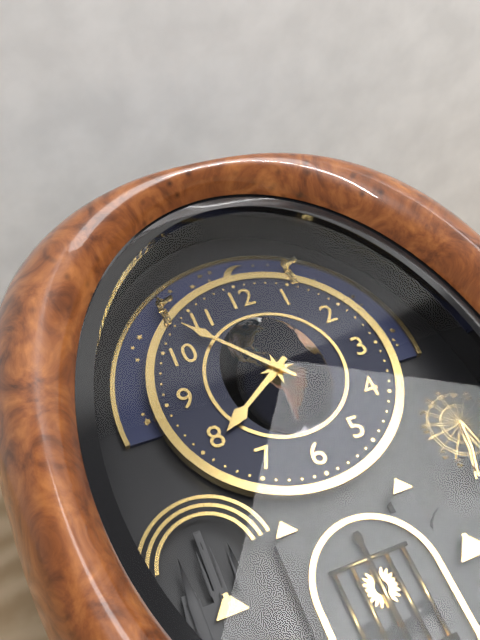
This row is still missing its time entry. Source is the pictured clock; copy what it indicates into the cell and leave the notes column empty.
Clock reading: 7:53
